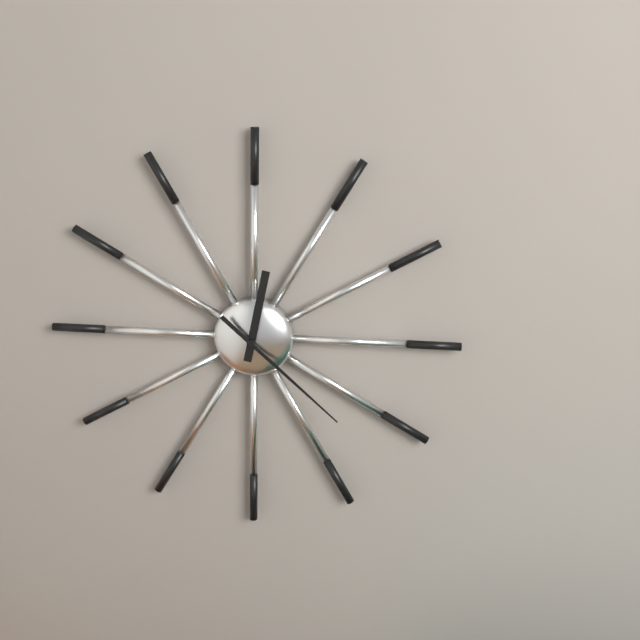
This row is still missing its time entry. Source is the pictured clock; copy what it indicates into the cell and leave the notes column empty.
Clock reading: 12:22
